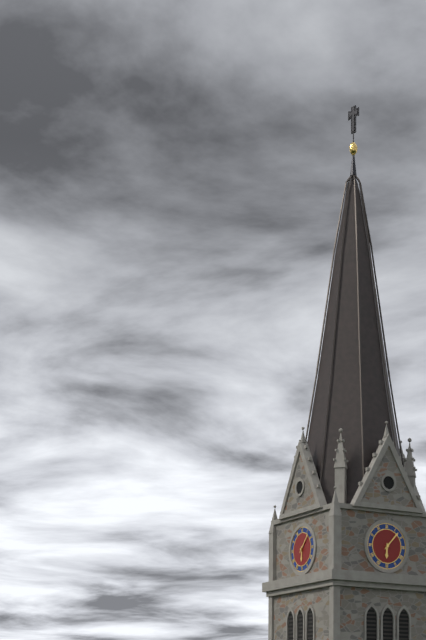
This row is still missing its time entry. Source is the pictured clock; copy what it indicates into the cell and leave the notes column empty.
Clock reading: 6:07
